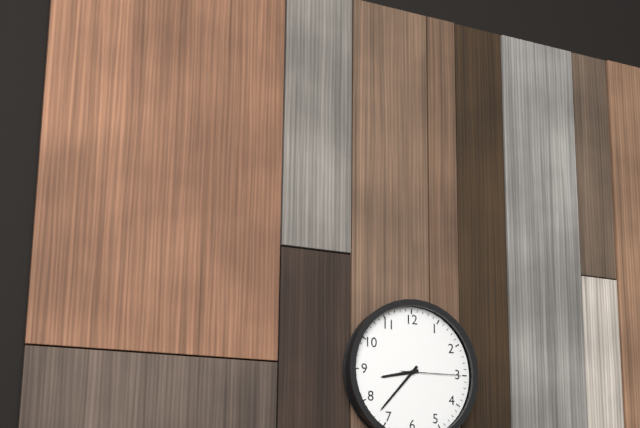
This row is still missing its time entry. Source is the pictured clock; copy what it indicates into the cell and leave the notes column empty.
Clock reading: 8:37:15
